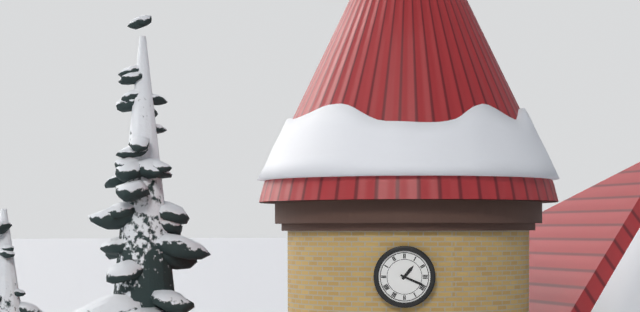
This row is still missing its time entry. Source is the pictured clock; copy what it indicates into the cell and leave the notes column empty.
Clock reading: 1:19
